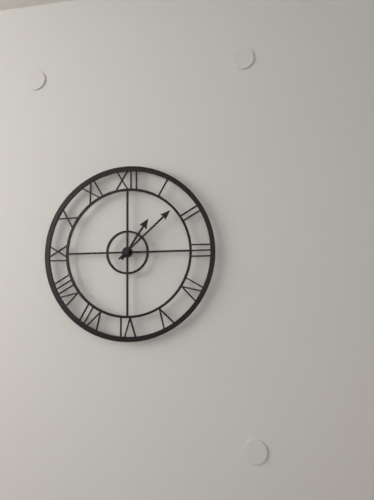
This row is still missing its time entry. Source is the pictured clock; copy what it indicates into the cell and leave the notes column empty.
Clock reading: 1:08
